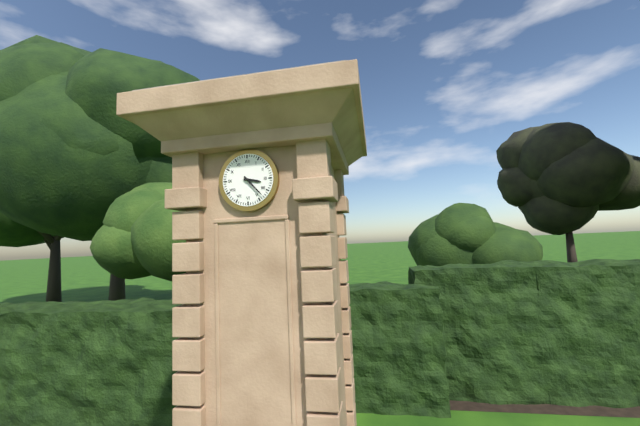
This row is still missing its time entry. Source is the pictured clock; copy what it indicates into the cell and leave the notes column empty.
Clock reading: 3:23
